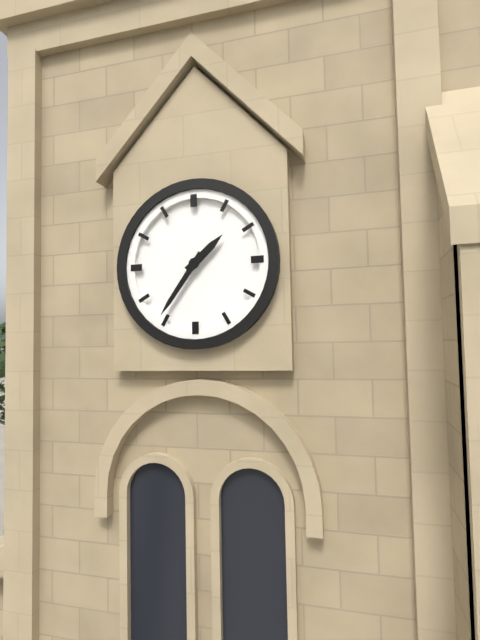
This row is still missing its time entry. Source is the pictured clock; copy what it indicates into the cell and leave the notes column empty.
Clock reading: 1:36
